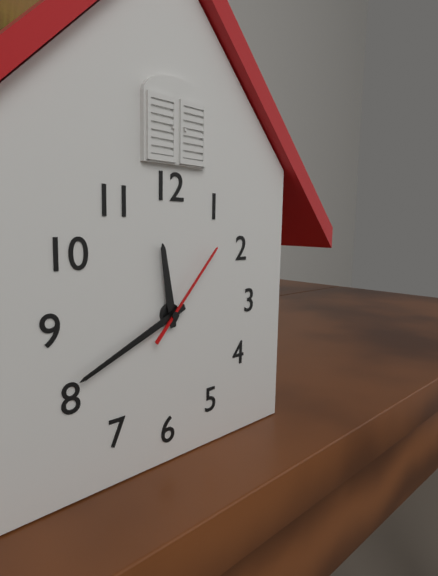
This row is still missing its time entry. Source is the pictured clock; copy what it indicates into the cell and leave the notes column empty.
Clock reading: 11:41:07
